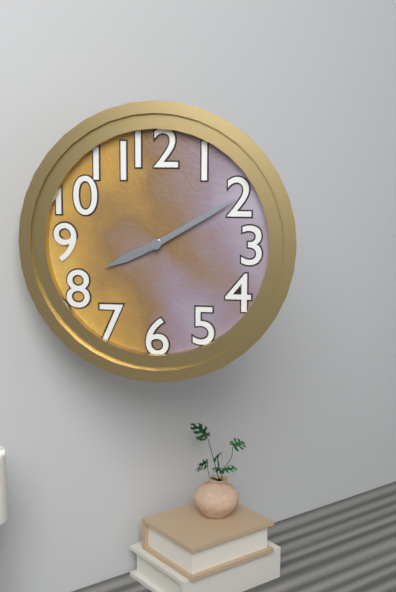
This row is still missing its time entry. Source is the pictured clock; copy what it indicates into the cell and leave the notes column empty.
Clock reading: 8:10
